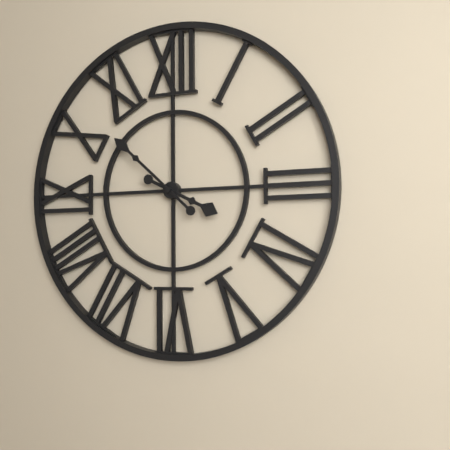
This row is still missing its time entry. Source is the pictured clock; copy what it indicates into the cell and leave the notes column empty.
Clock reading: 3:52
